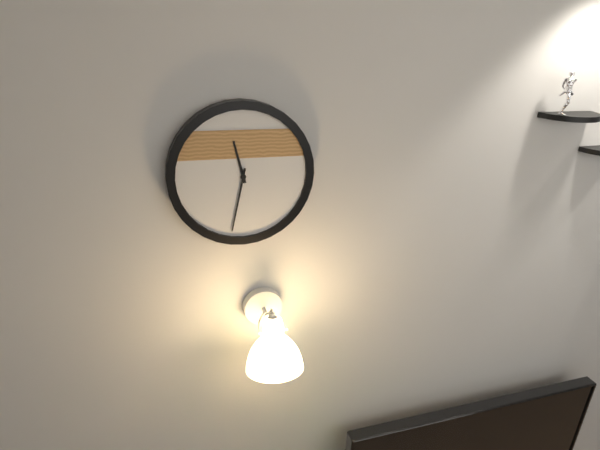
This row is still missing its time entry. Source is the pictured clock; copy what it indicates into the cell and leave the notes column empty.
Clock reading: 11:32
